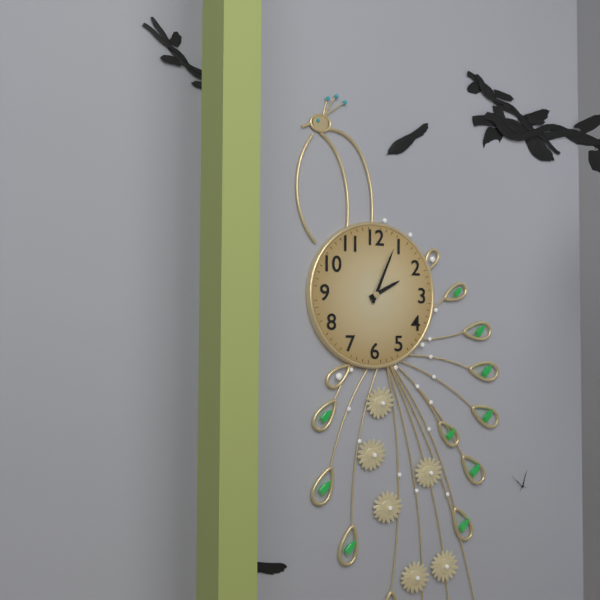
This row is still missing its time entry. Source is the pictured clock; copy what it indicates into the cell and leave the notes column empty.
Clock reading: 2:04
